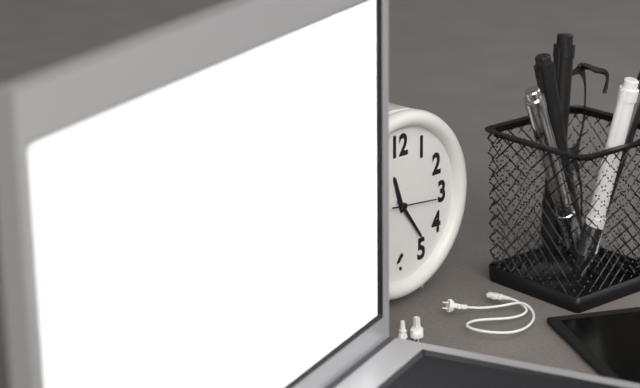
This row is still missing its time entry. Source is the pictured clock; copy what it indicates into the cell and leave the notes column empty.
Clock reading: 11:24:16
